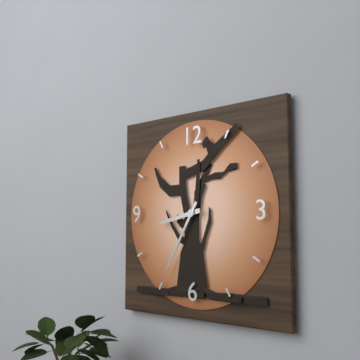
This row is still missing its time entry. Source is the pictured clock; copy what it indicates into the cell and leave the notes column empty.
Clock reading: 8:35
